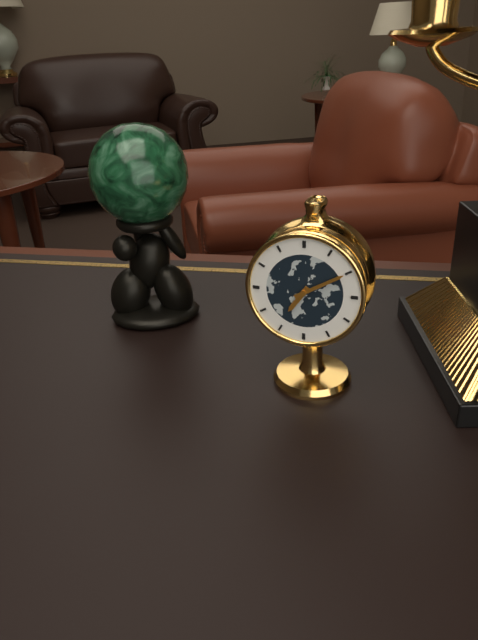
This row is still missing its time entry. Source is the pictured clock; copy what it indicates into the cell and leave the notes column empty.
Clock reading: 7:10
